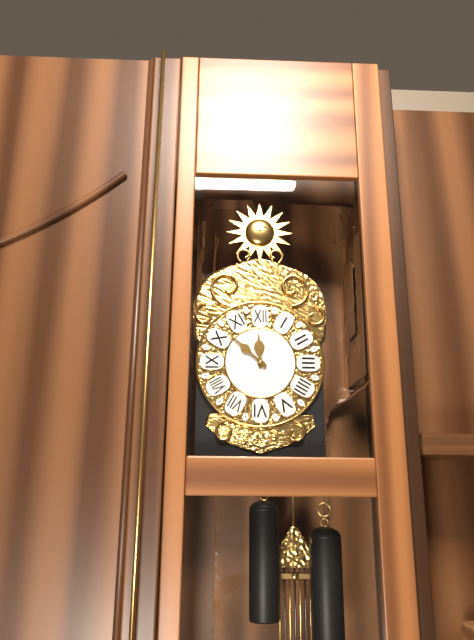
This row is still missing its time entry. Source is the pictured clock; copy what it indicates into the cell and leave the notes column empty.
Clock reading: 11:52
